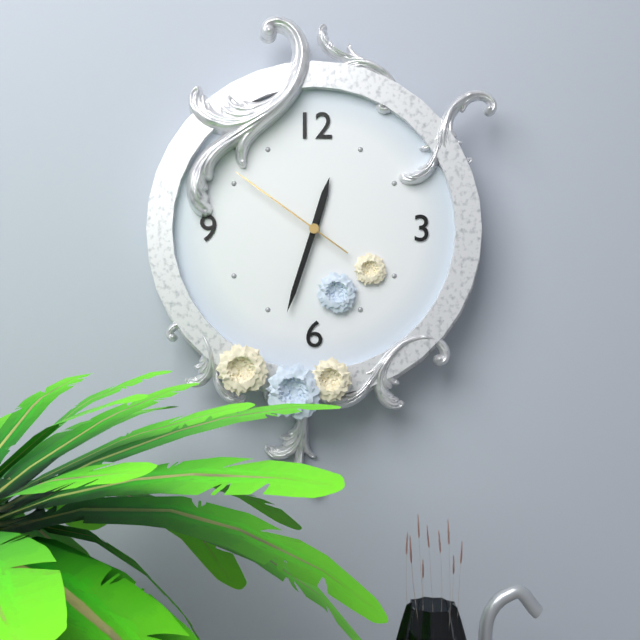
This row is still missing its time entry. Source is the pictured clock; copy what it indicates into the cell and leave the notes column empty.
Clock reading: 12:33:51
